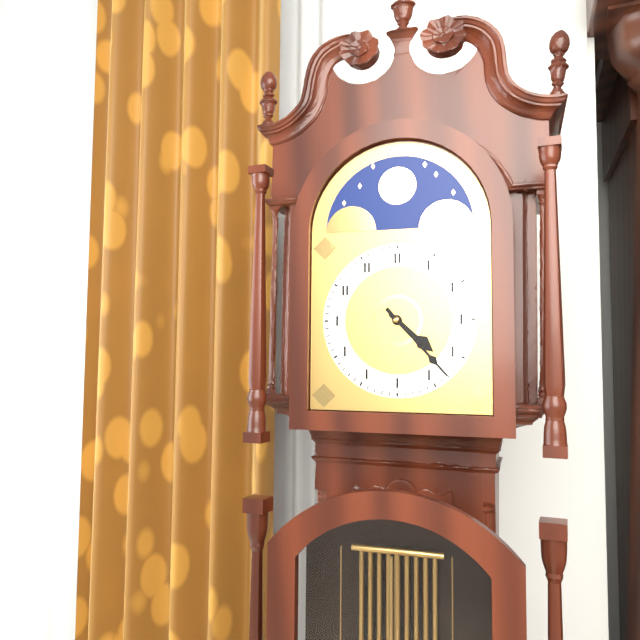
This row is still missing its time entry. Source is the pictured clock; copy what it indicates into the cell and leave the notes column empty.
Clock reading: 4:23
